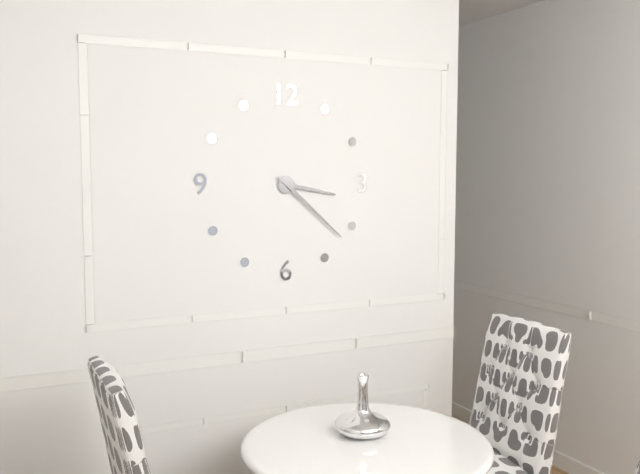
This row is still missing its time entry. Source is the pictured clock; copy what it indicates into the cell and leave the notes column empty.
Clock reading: 3:22
